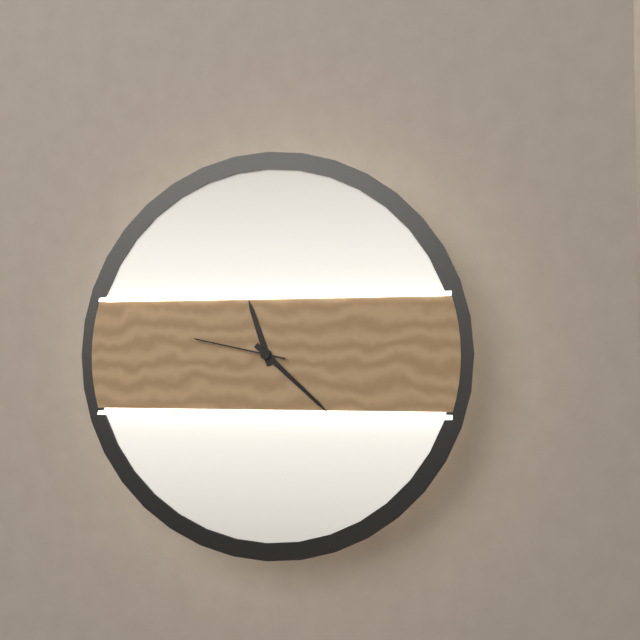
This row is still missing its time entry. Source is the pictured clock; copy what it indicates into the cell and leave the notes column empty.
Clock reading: 11:22:47
